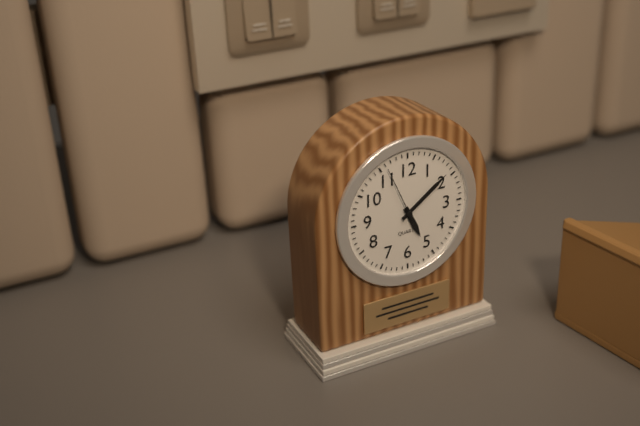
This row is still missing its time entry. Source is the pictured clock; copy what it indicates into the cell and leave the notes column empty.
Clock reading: 5:09:56
